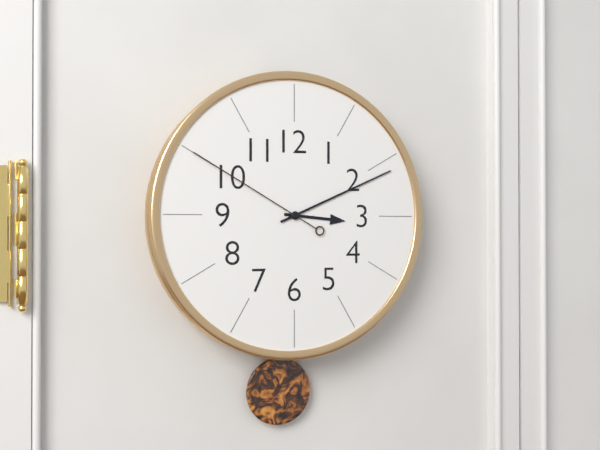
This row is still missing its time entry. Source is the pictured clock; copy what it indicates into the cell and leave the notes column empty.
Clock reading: 3:11:50
